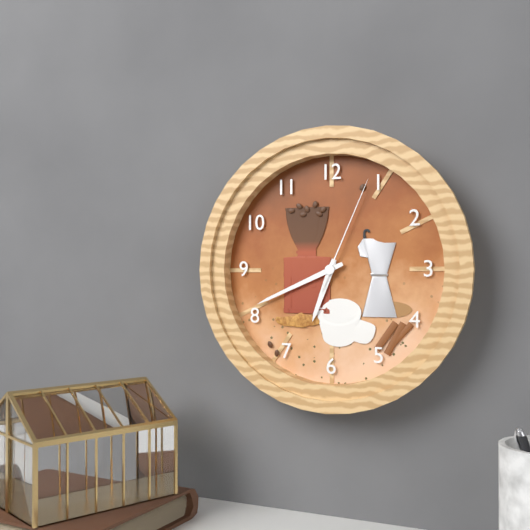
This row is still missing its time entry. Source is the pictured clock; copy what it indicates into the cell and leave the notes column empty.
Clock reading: 6:41:04
